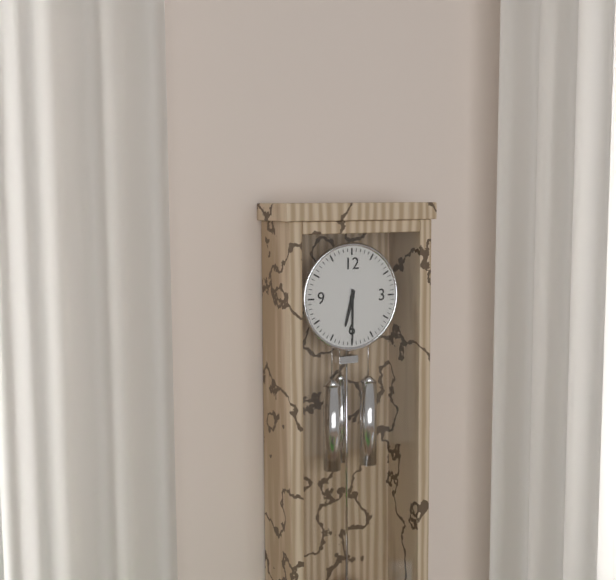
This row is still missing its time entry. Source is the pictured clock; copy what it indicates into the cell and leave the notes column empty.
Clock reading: 6:30
